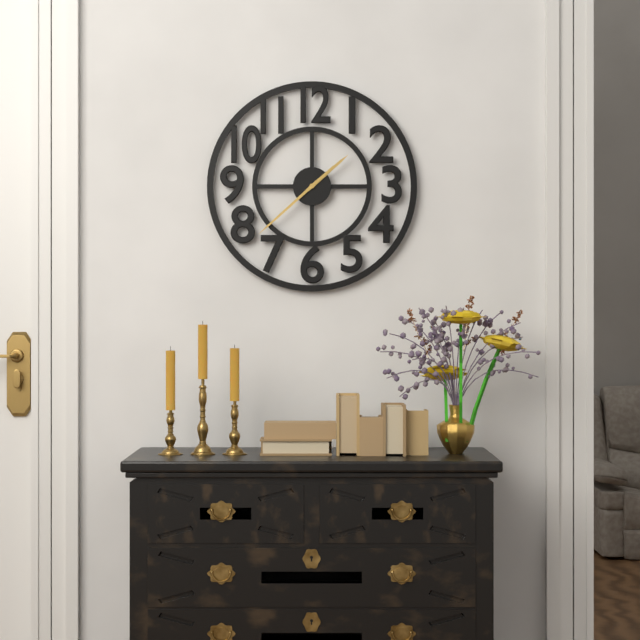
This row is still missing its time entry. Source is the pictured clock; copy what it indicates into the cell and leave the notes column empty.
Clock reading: 1:38
